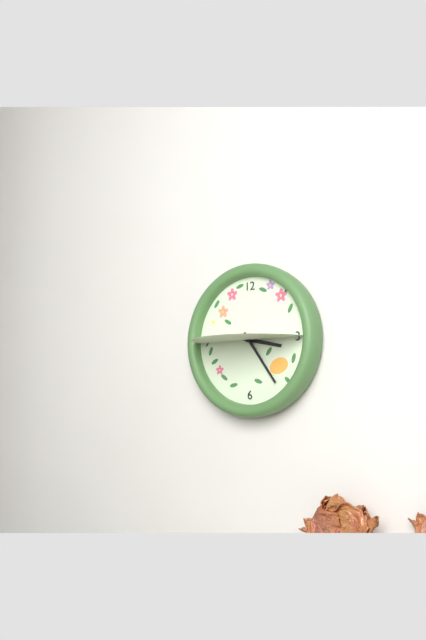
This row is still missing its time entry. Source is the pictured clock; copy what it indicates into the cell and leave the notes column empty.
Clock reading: 3:24
